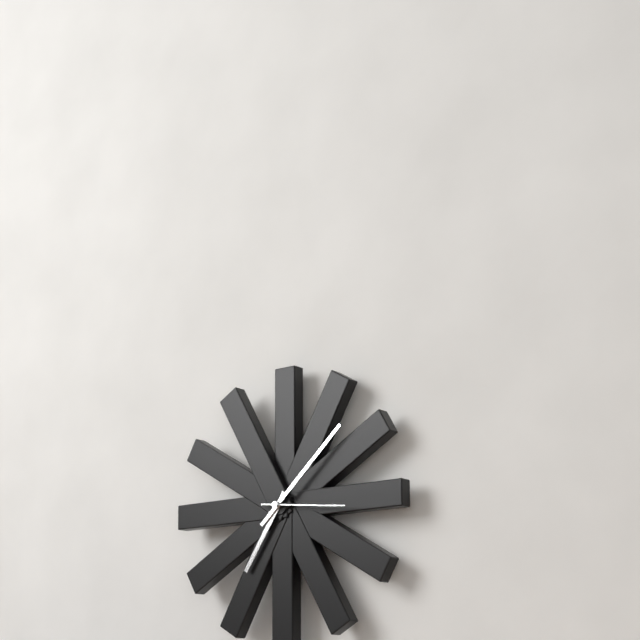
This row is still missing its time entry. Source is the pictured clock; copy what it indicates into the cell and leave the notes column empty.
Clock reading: 7:08:16
